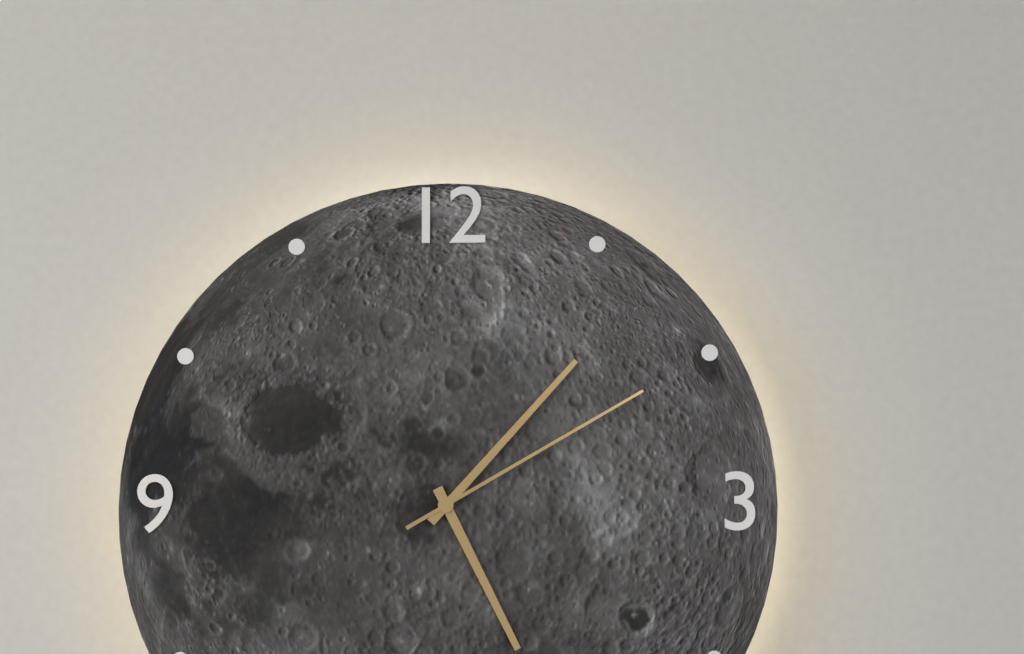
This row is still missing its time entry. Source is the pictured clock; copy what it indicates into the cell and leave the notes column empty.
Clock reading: 5:07:10
